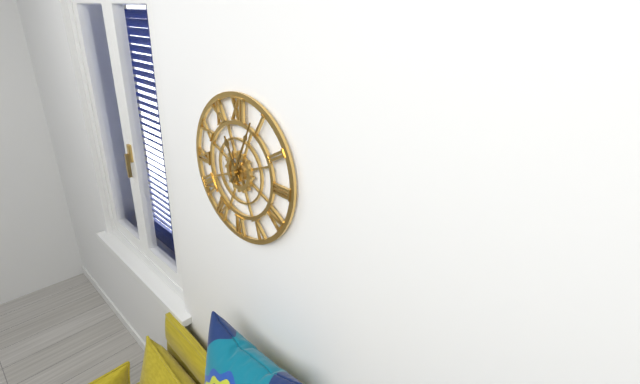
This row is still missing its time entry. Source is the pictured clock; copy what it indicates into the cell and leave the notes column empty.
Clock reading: 11:04
